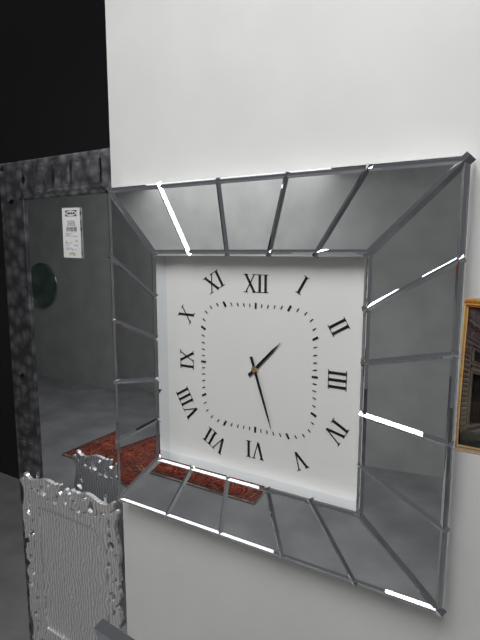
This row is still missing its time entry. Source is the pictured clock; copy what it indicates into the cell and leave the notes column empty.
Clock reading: 1:27
